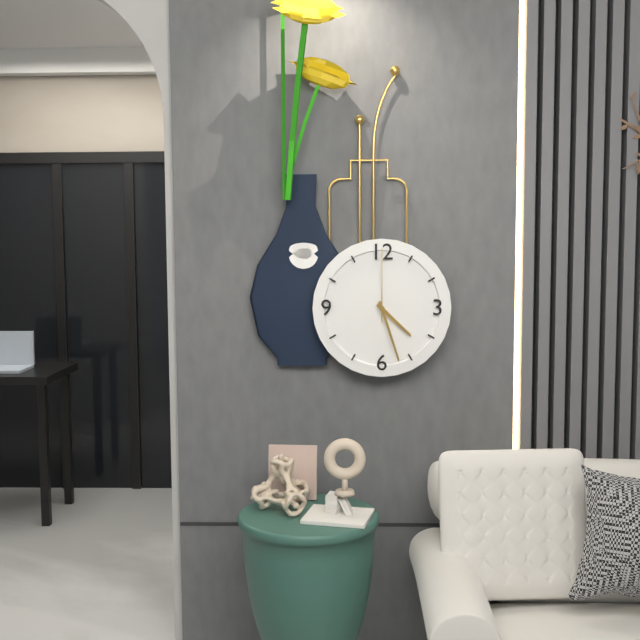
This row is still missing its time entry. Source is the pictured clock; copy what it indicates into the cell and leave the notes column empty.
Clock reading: 4:27:00
